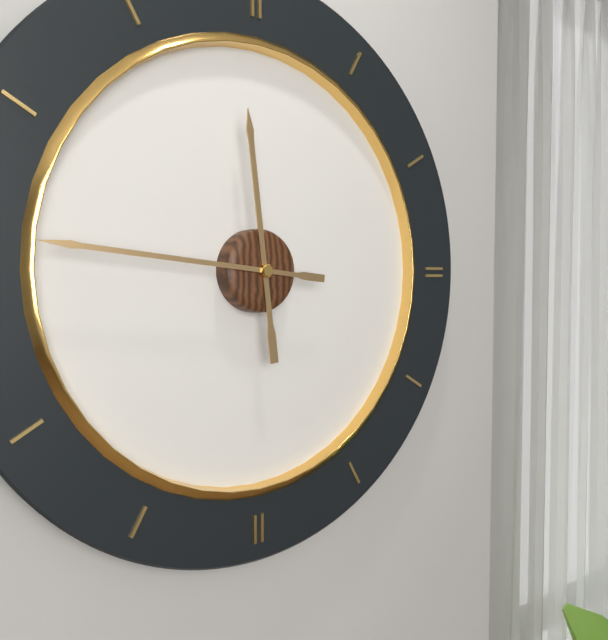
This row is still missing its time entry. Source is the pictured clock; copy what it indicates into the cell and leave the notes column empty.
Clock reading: 11:46
